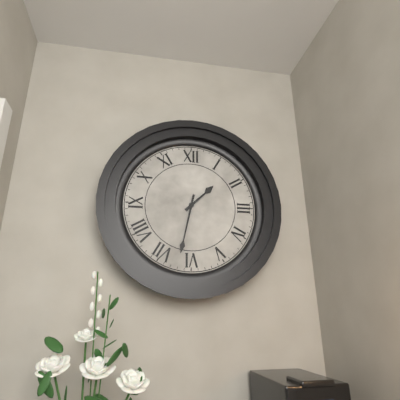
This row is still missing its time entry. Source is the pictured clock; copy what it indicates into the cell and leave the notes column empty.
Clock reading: 1:32
